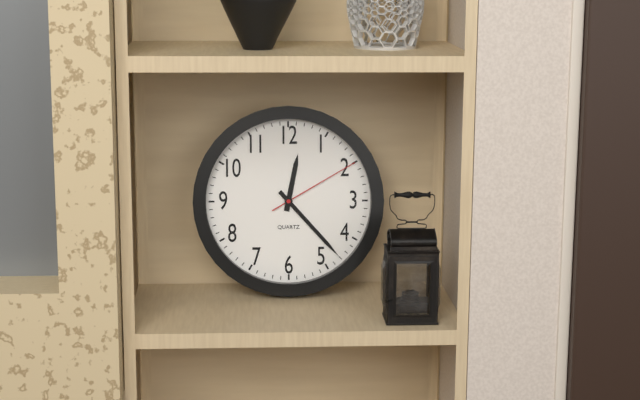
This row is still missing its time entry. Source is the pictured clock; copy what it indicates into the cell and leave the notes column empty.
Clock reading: 12:23:10
